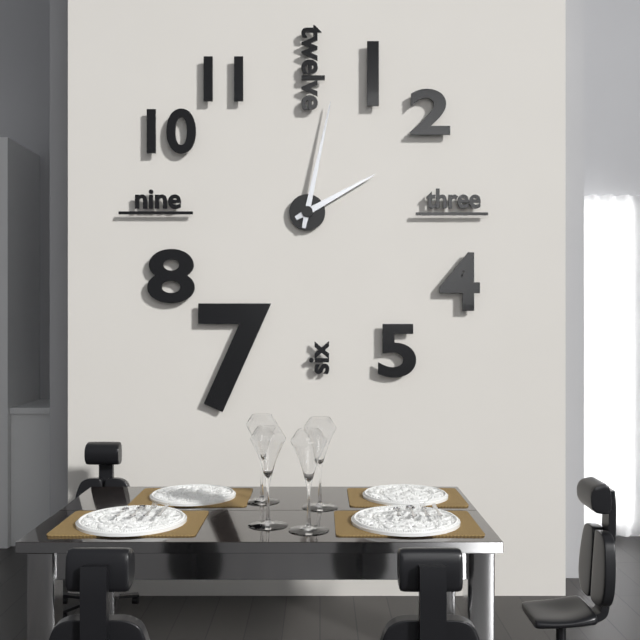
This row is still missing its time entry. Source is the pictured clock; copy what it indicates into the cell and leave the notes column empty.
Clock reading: 2:02
